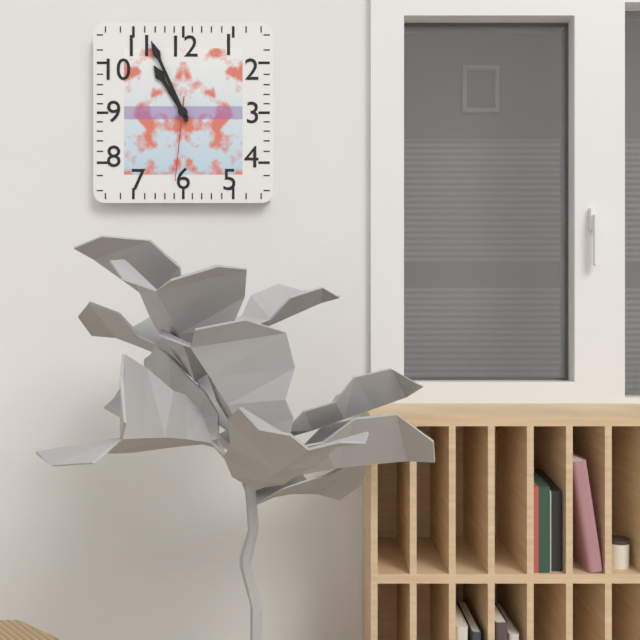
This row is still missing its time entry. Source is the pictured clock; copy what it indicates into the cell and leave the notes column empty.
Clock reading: 10:56:31
